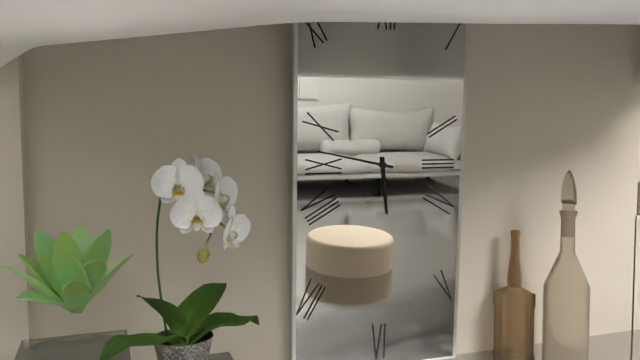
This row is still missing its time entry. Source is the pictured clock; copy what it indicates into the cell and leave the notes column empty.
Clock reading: 5:47
